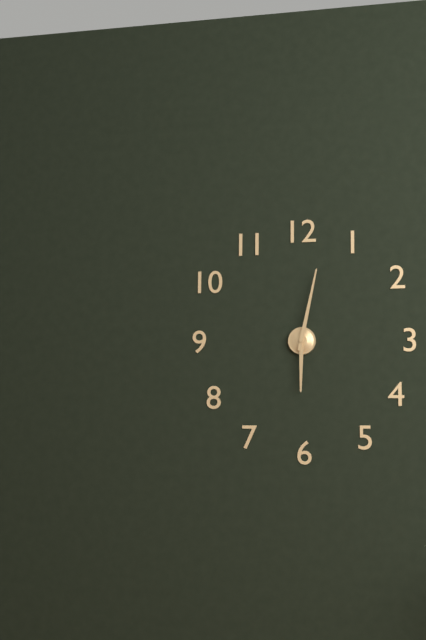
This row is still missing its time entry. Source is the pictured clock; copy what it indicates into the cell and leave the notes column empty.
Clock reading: 6:02
